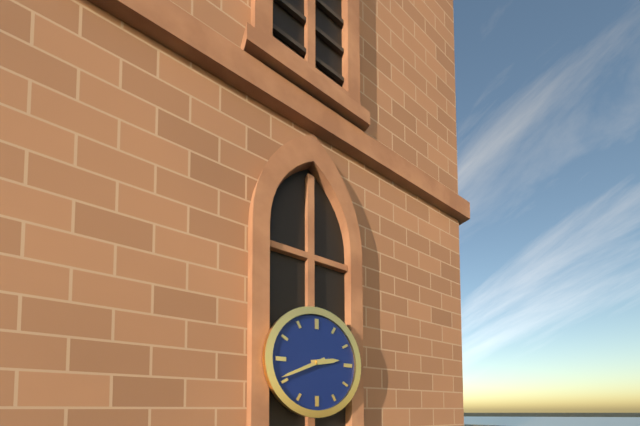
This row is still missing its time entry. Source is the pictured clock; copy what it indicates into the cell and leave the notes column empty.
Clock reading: 2:41
